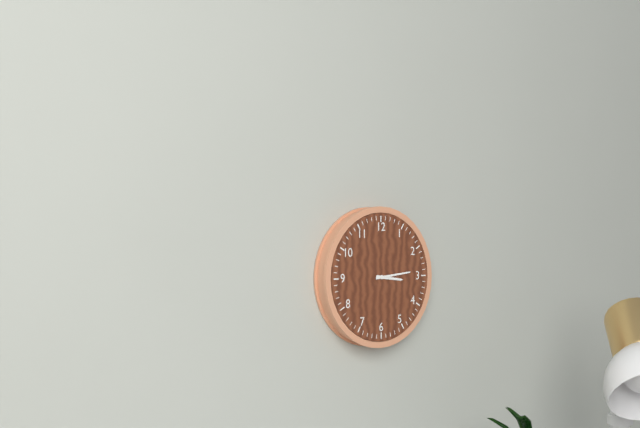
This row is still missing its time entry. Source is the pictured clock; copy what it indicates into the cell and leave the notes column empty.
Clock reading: 3:14
